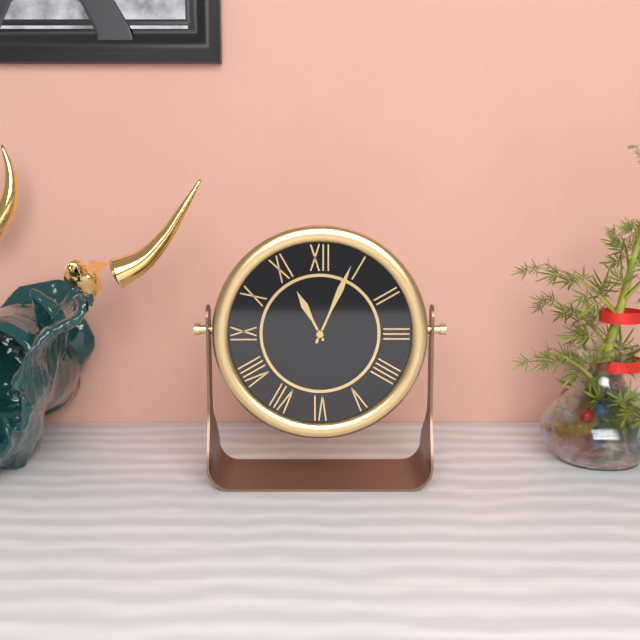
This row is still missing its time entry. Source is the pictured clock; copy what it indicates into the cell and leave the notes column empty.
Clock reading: 11:04
